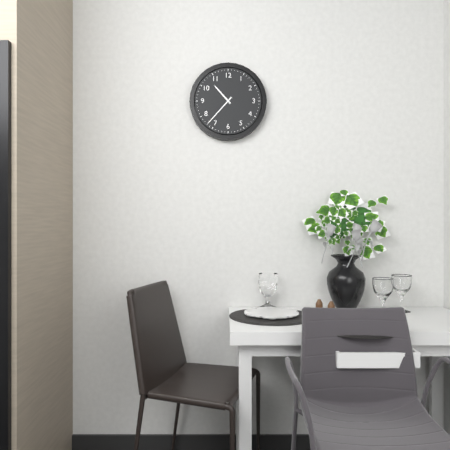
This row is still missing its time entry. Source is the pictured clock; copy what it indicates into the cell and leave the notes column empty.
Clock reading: 10:37
